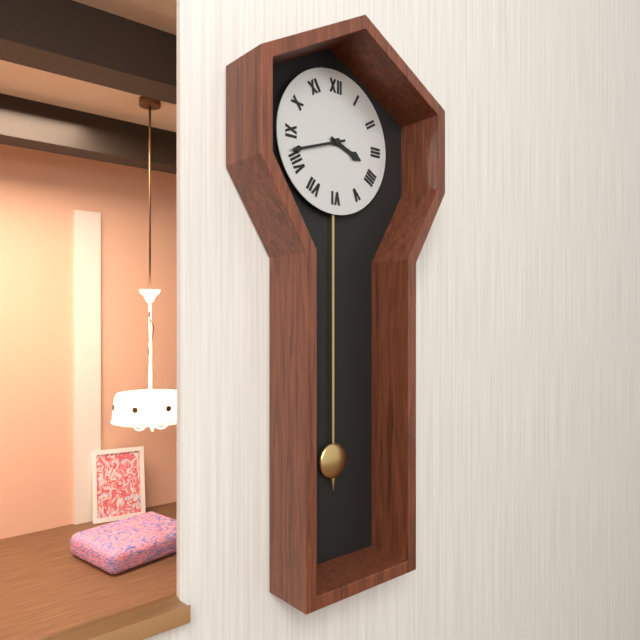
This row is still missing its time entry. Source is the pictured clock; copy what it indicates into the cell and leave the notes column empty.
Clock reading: 3:42
